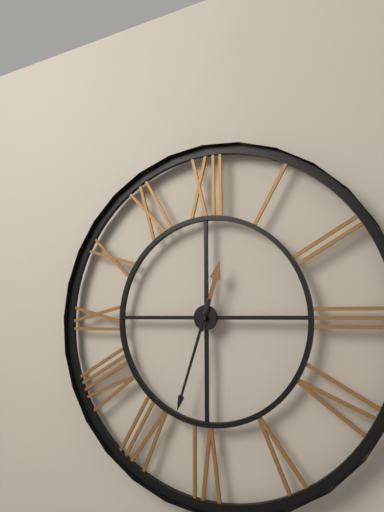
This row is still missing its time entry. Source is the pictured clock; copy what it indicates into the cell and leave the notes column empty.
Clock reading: 12:33
